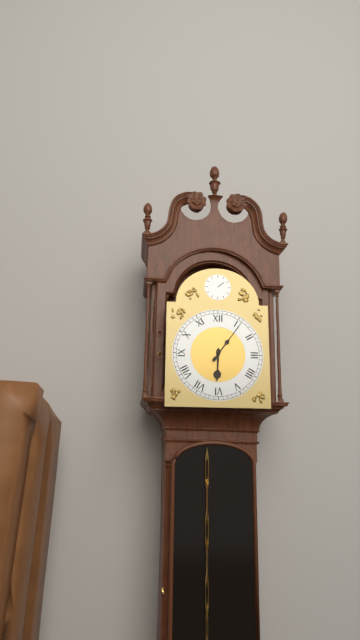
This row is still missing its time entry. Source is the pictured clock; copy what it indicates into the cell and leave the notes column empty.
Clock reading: 6:06
